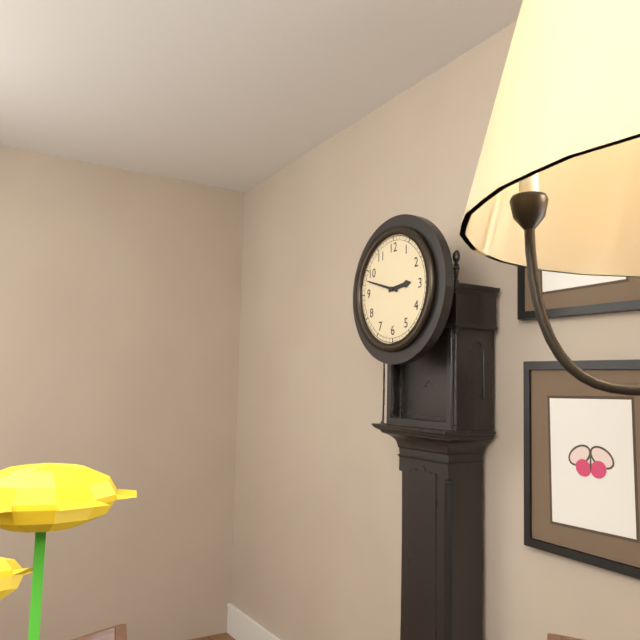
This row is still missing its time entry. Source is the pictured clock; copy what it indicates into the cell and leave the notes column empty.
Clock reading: 2:48
